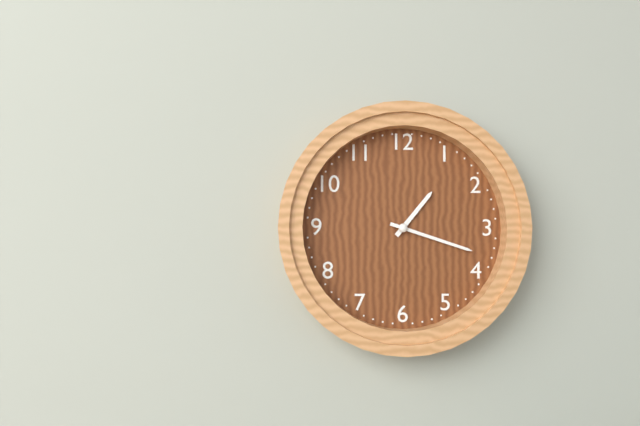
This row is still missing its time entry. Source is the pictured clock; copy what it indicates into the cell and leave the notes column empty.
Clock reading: 1:18
